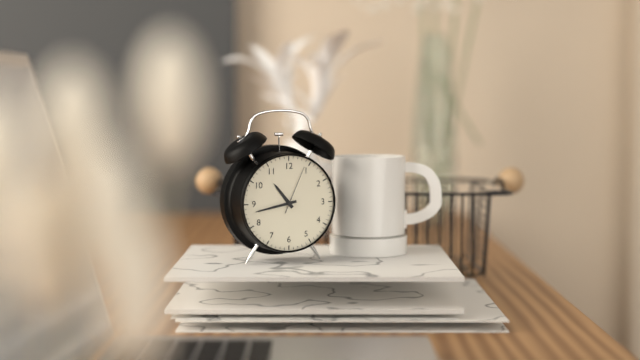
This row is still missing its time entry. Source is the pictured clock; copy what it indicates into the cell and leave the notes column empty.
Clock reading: 10:43:04
